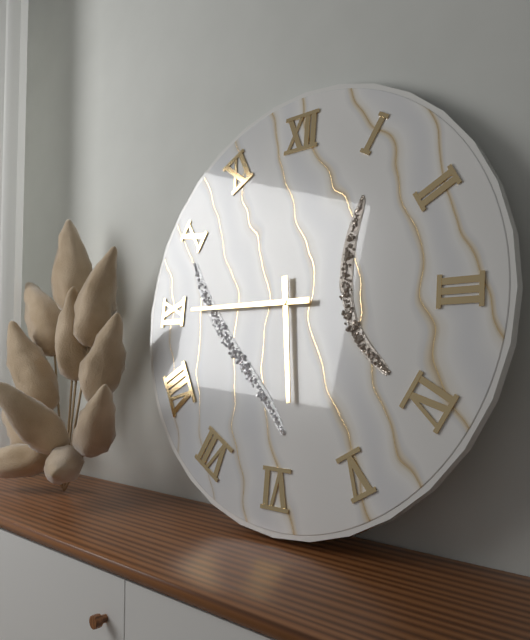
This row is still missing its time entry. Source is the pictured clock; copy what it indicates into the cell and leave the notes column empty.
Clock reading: 5:45
